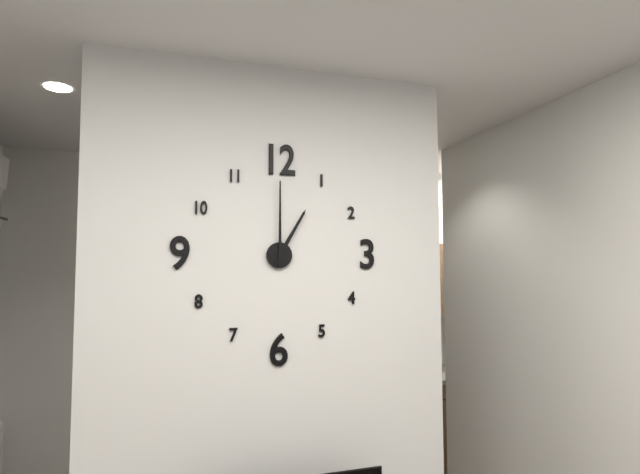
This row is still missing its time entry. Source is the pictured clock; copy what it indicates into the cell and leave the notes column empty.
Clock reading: 1:00
